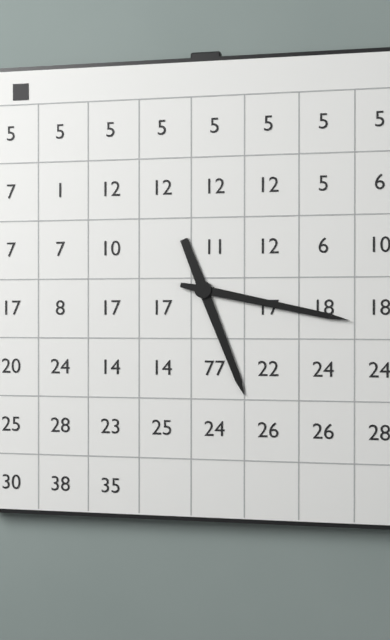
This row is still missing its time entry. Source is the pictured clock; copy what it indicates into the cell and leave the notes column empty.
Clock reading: 5:17
